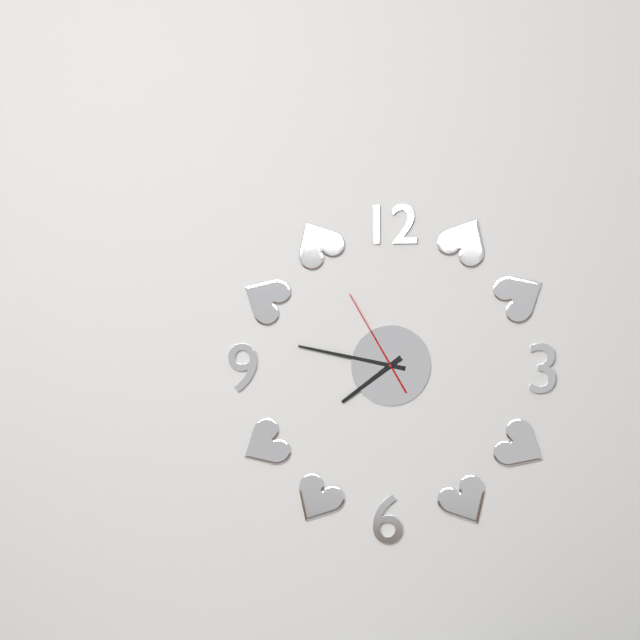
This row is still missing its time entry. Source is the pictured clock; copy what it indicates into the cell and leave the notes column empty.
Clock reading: 7:47:55
